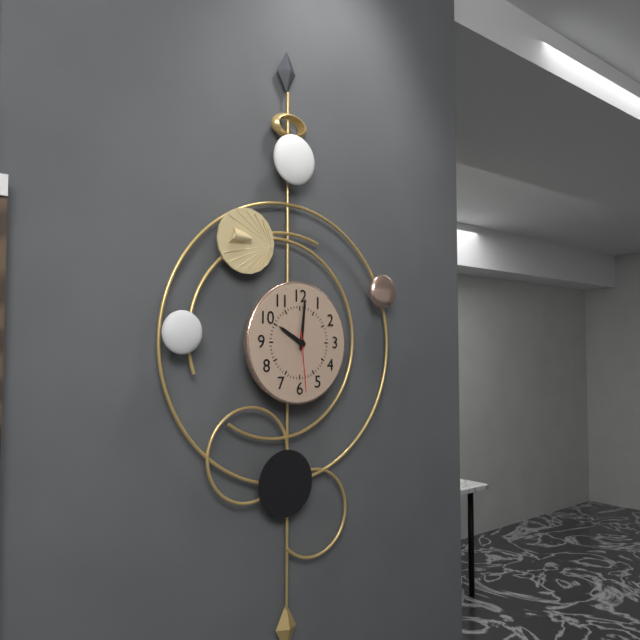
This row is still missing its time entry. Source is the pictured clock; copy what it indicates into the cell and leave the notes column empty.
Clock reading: 10:01:29
